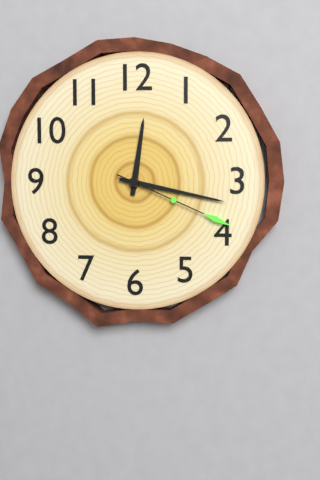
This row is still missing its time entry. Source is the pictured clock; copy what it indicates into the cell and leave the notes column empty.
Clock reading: 12:17:19
